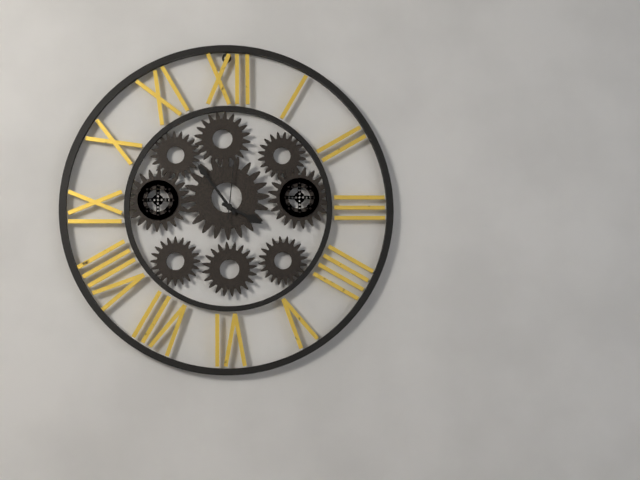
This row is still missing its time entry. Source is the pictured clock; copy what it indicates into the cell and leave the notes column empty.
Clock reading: 3:54:01
